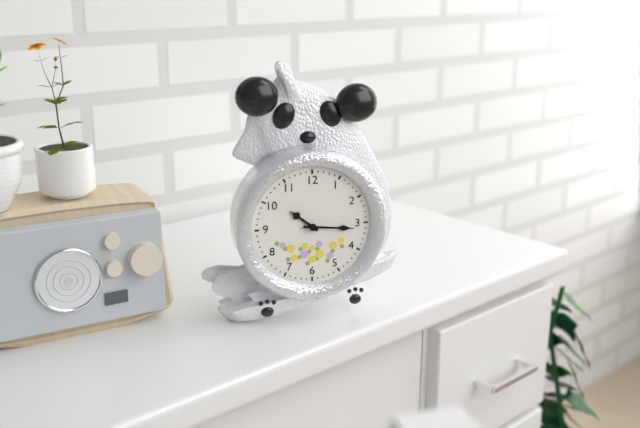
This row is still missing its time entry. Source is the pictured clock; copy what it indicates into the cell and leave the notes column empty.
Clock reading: 10:16
